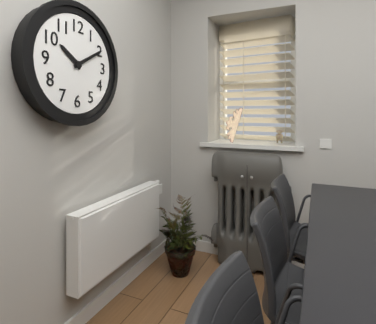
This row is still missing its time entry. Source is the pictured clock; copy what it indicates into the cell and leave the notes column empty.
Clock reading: 10:10
